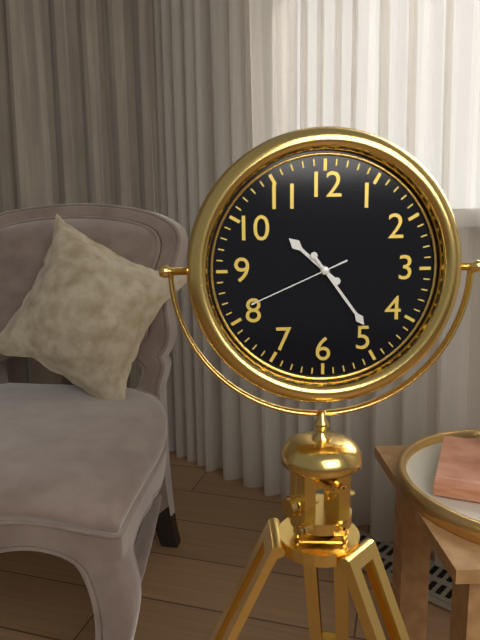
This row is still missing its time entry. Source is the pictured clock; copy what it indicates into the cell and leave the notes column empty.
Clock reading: 10:24:41
